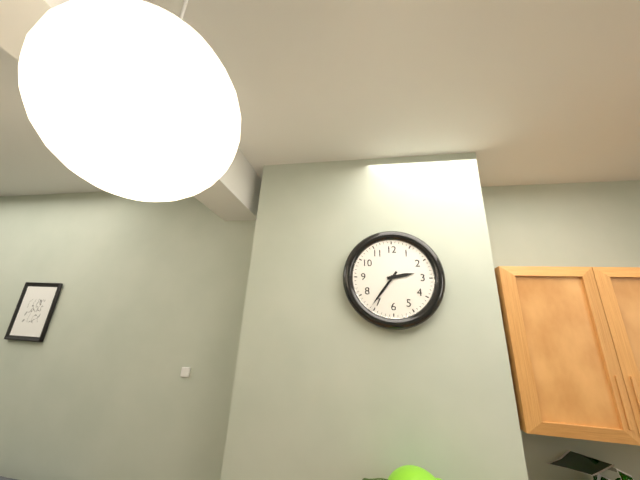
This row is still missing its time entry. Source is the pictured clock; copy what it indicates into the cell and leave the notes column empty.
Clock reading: 2:36
